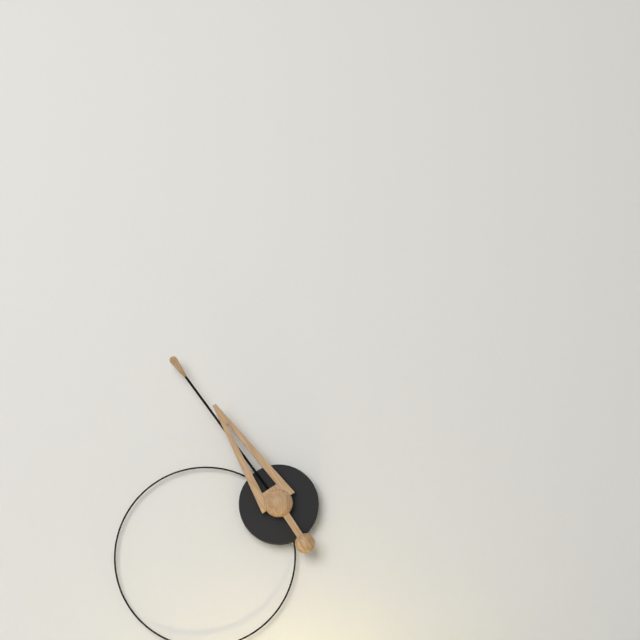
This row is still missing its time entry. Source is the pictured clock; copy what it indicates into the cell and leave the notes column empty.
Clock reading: 10:54
